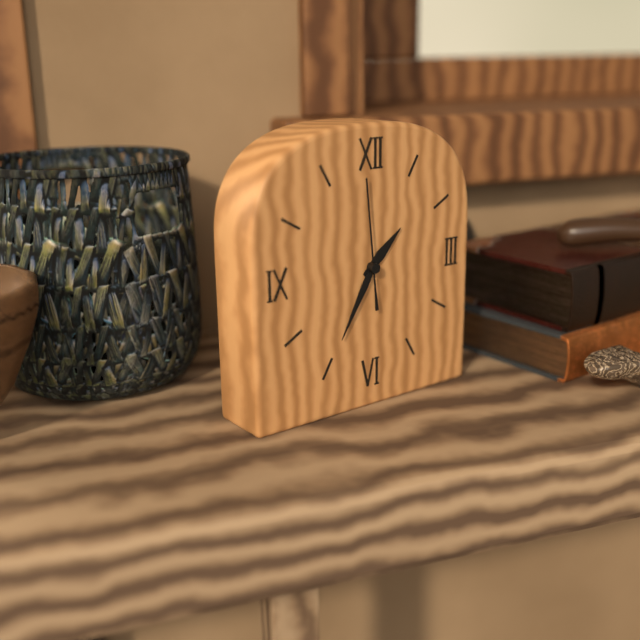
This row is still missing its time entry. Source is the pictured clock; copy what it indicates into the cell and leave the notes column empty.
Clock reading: 1:35:59
